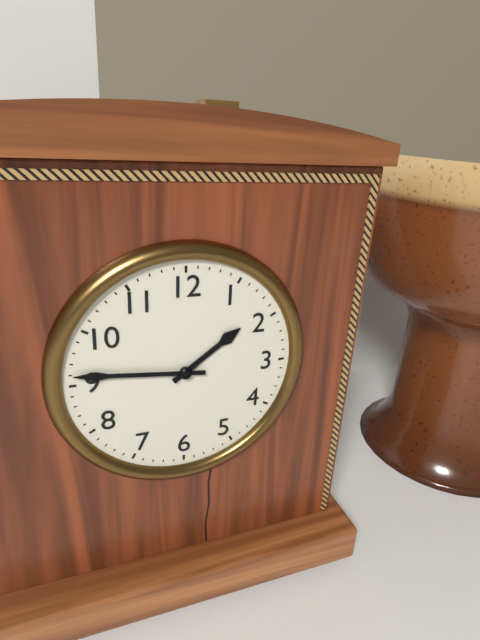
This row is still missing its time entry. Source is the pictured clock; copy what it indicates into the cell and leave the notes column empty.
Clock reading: 1:46
